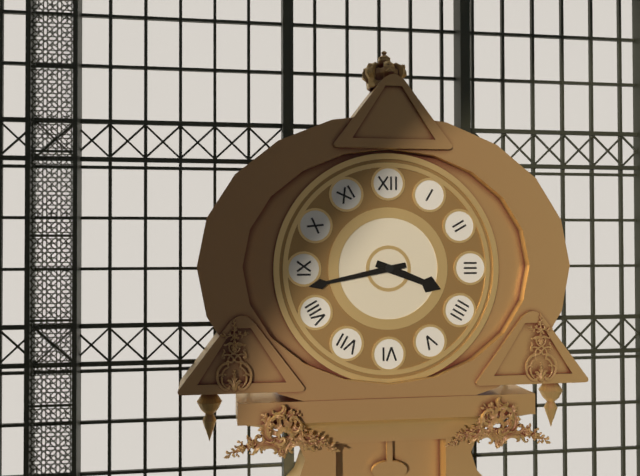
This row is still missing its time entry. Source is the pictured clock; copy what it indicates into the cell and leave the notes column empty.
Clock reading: 3:43
